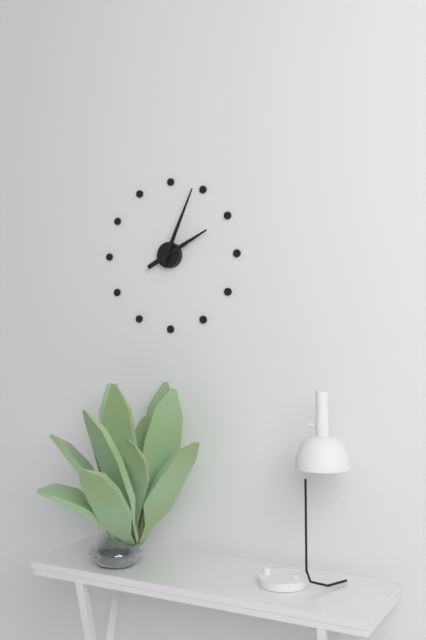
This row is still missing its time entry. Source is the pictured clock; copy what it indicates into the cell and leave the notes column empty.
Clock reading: 2:04
